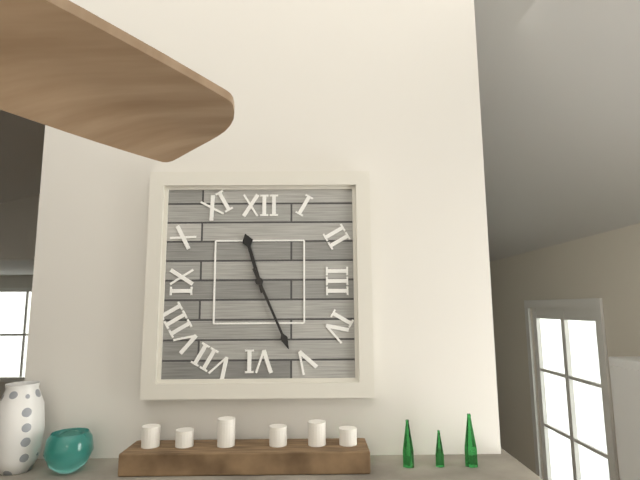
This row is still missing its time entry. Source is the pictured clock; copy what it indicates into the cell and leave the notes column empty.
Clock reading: 11:26
